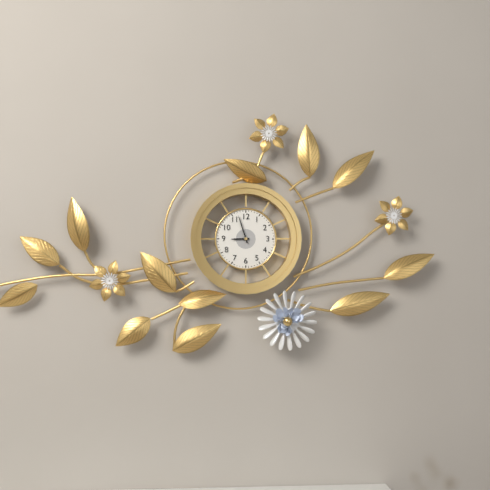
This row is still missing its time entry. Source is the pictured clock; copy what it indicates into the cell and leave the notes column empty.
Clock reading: 8:57
